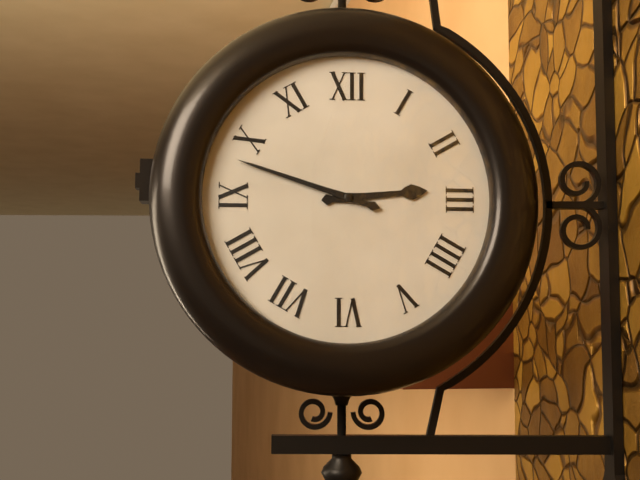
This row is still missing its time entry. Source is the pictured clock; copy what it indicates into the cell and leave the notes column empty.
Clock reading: 2:48
